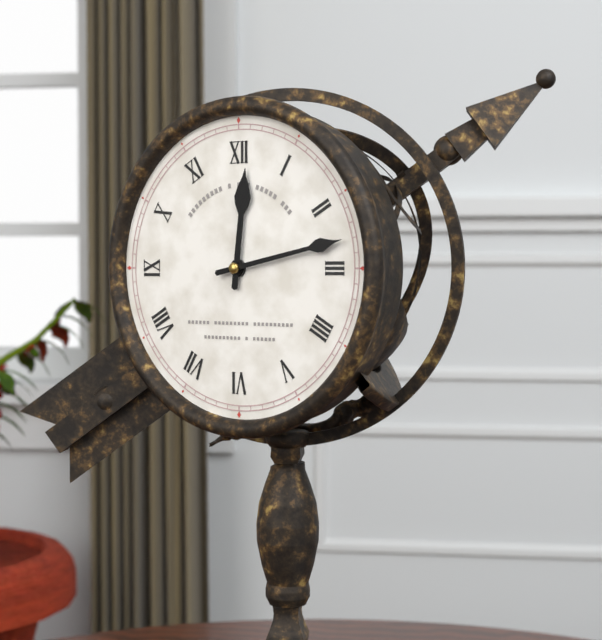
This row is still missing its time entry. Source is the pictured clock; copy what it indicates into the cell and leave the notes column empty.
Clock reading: 12:13
